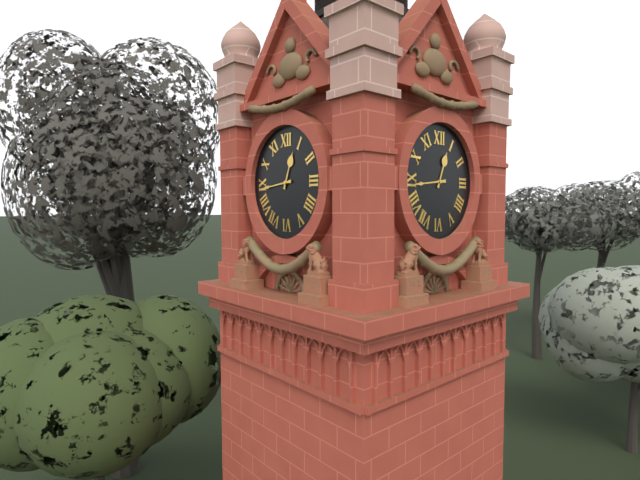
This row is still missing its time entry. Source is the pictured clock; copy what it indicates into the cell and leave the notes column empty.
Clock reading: 12:44
